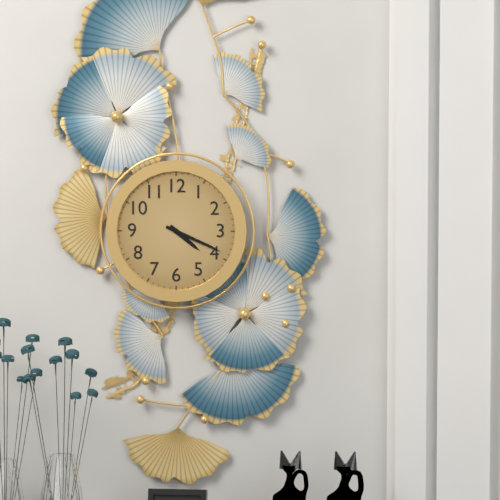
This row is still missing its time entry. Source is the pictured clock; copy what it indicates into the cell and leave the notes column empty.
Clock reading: 4:19
